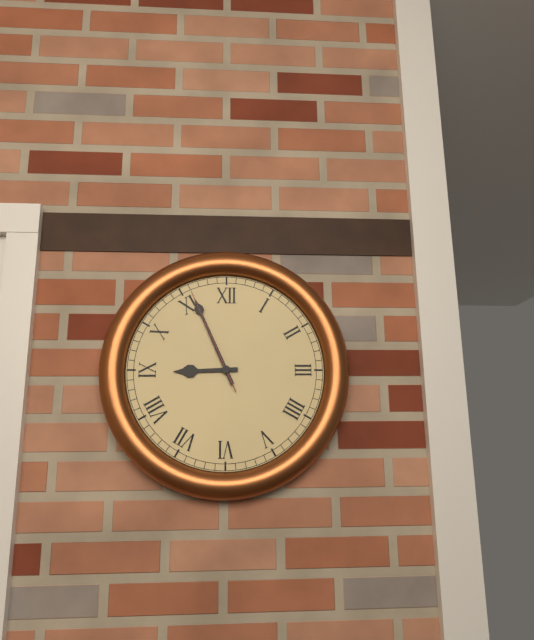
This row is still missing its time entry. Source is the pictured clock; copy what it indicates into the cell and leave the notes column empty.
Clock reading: 8:56:56
